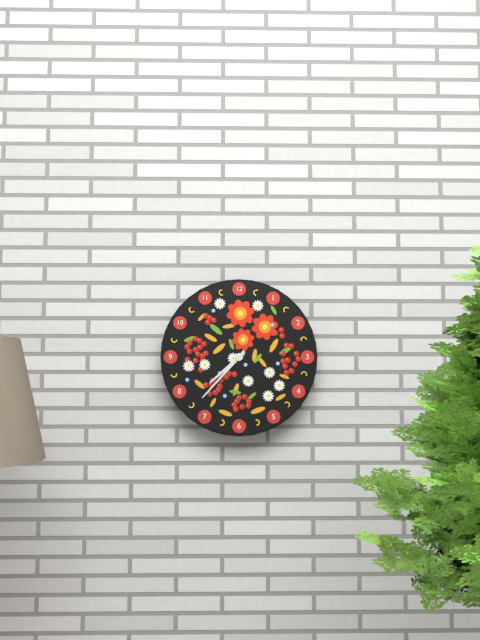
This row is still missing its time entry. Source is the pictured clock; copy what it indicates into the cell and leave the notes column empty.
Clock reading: 7:37
